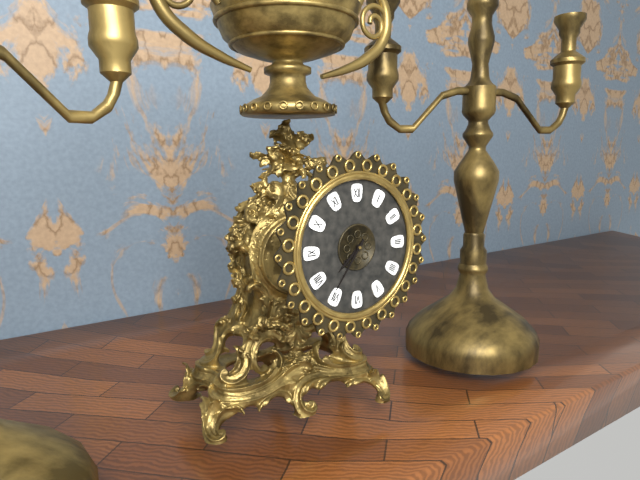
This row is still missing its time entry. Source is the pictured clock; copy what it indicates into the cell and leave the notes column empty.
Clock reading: 7:36
